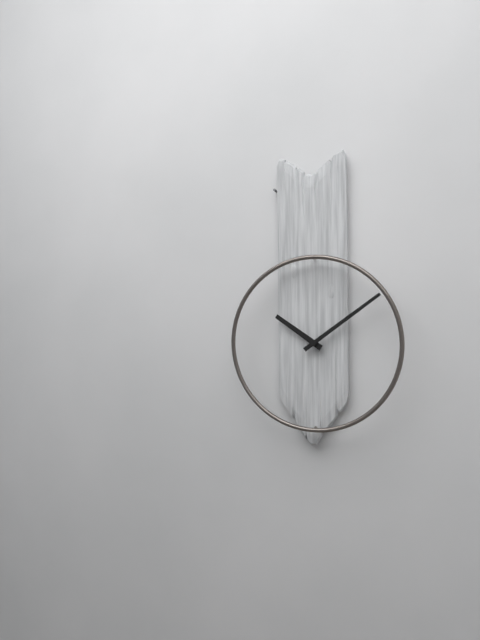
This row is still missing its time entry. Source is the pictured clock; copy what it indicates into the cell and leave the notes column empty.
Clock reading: 10:09
